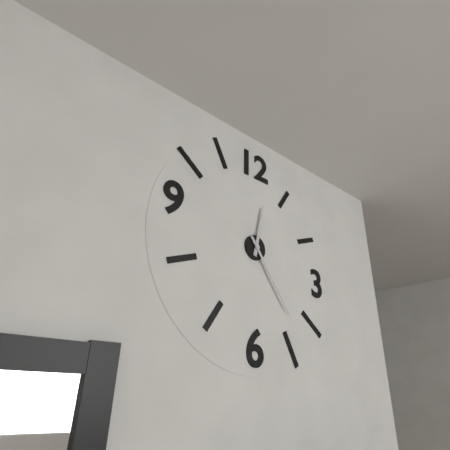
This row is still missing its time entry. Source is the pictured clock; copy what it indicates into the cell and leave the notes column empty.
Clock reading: 12:24
